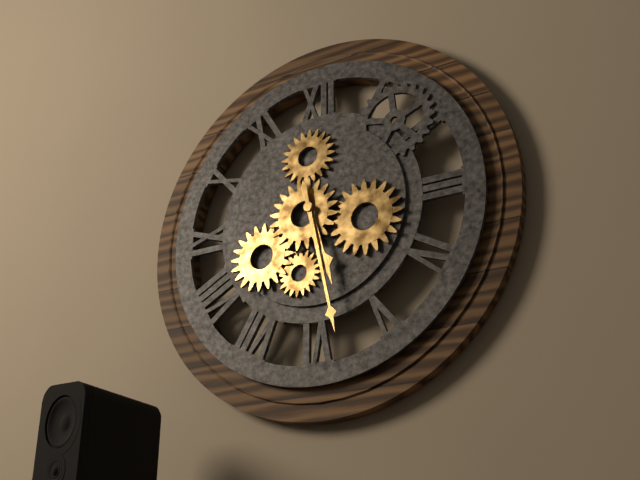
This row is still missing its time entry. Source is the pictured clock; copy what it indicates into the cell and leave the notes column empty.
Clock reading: 5:28
